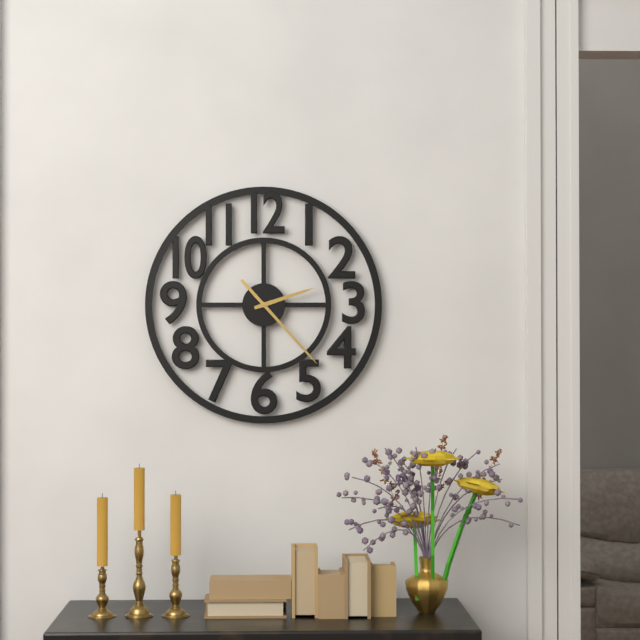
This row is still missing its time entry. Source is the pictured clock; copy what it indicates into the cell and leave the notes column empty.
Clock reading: 2:23
